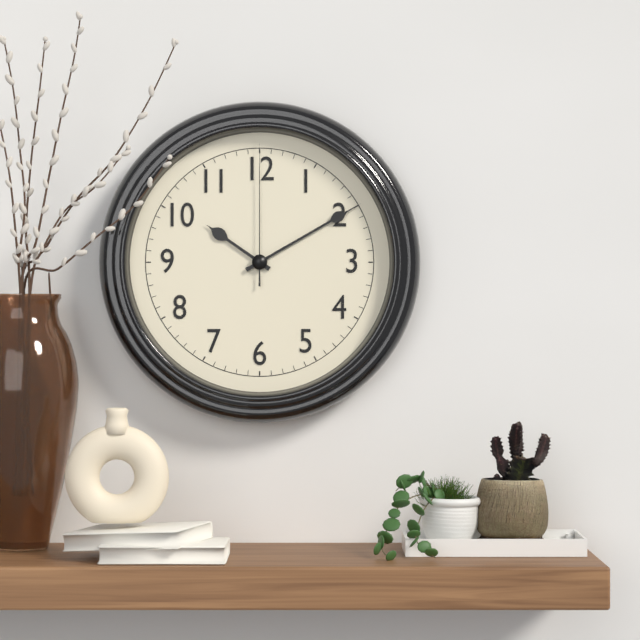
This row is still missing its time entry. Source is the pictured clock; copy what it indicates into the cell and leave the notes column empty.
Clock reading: 10:10:00
